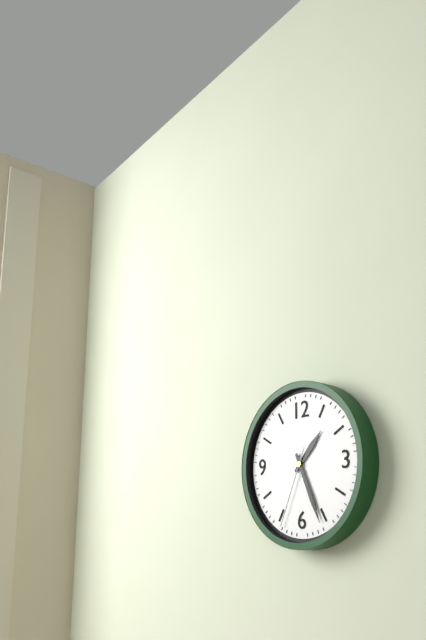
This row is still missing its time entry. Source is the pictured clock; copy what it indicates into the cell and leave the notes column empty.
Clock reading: 1:26:34
